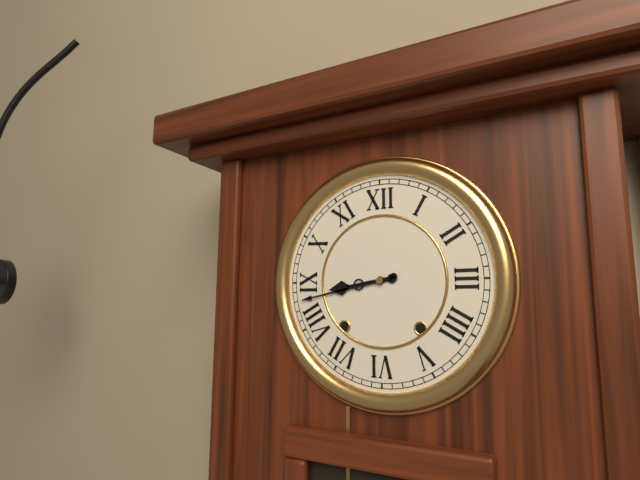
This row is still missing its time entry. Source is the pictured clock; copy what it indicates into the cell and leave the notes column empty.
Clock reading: 8:43
